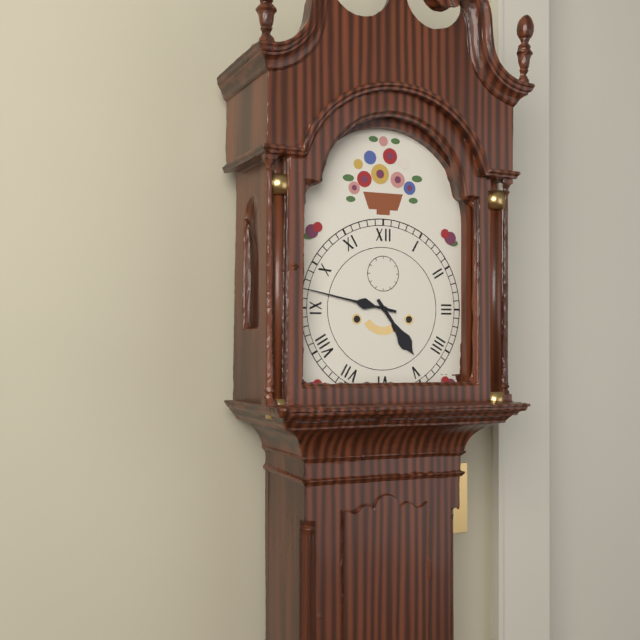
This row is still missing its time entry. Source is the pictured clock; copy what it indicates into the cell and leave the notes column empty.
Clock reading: 4:47
